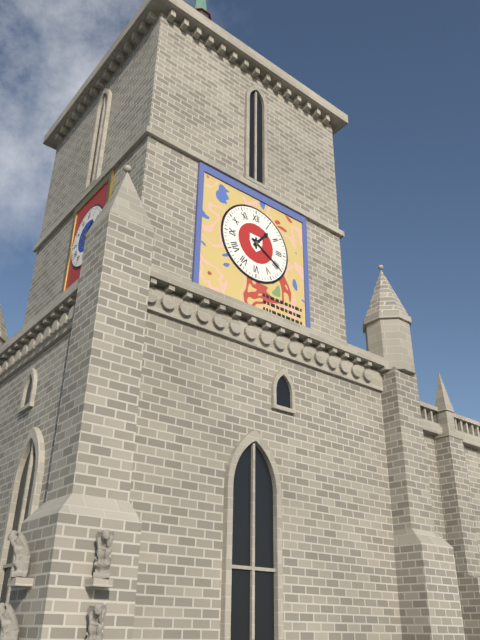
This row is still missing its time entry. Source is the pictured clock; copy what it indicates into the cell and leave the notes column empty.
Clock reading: 1:20
